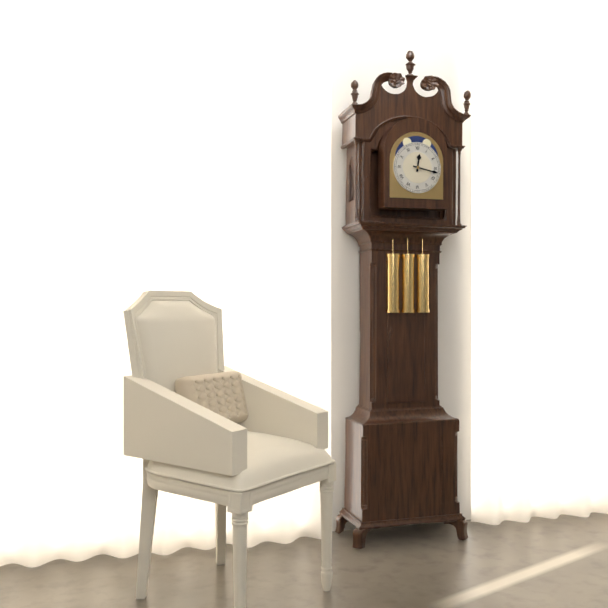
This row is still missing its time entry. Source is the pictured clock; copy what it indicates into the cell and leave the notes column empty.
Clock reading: 12:17
